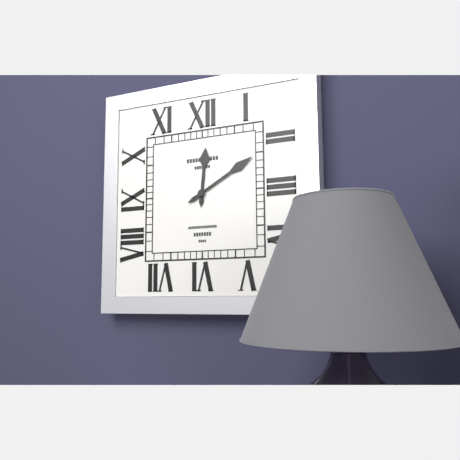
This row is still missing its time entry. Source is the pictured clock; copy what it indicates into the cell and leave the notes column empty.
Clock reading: 12:10
